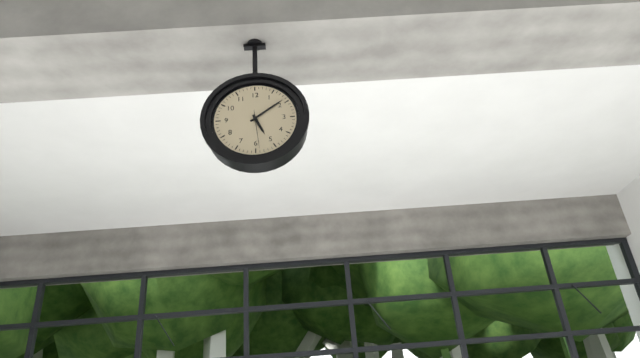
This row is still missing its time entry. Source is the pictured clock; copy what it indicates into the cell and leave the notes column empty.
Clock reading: 5:09
